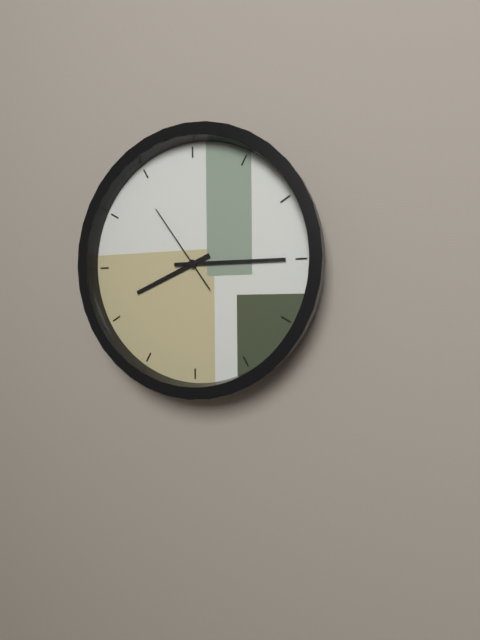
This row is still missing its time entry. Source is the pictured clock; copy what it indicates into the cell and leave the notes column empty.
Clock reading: 8:15:54
